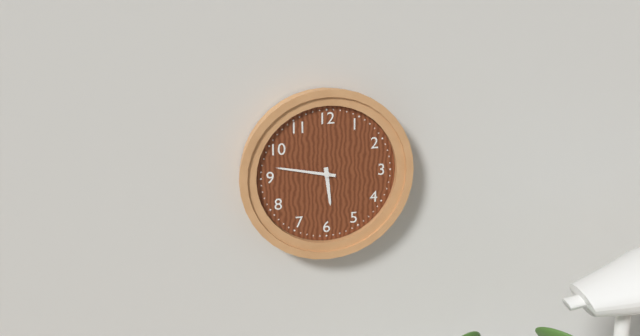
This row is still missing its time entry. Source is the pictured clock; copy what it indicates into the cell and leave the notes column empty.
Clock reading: 5:47
